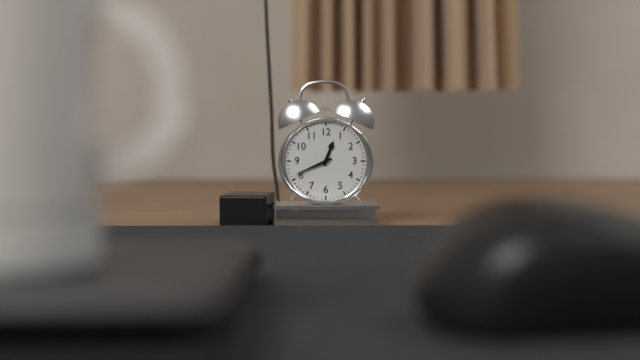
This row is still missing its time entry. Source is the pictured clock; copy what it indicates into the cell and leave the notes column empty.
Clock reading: 12:41
